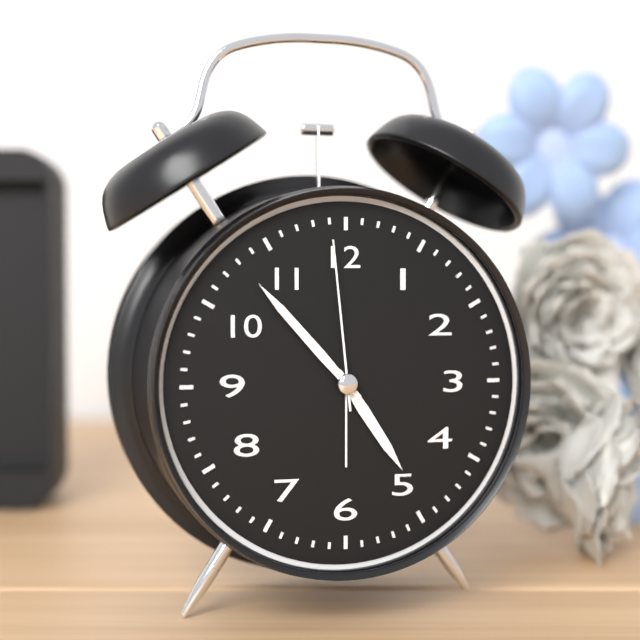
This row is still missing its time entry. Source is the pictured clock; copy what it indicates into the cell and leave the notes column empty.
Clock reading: 4:53:59
